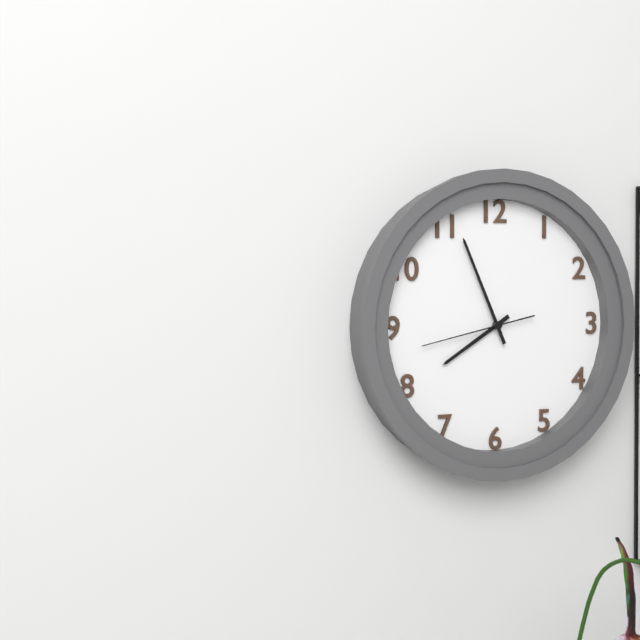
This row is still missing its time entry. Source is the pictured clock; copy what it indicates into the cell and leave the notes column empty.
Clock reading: 7:56:43
